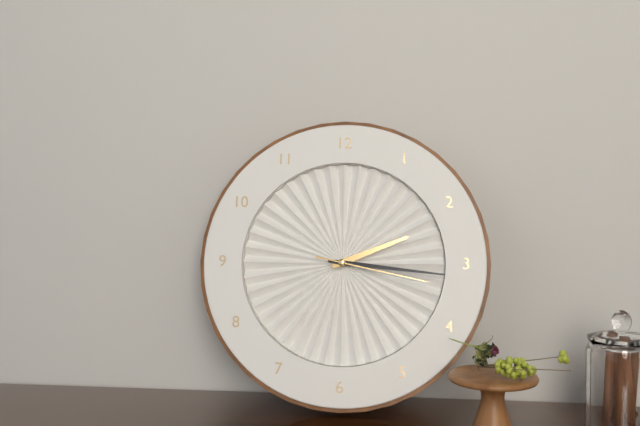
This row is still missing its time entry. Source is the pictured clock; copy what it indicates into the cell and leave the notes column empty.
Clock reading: 2:16:17
